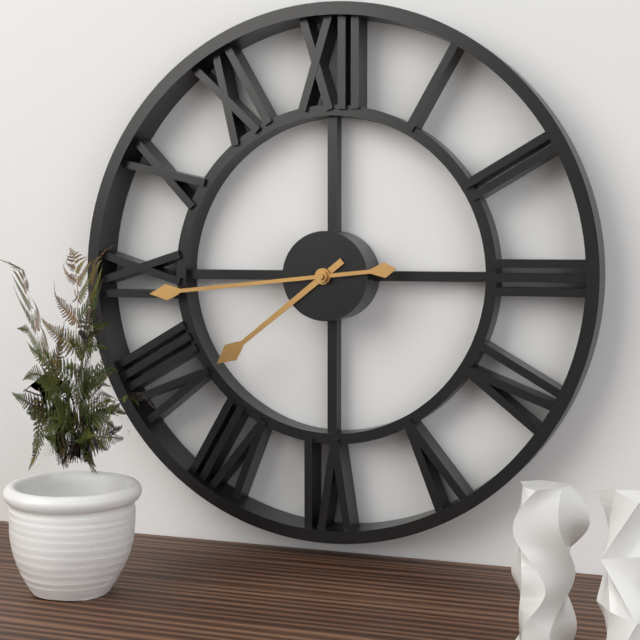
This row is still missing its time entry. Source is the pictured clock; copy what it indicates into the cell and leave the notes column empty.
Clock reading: 7:44
